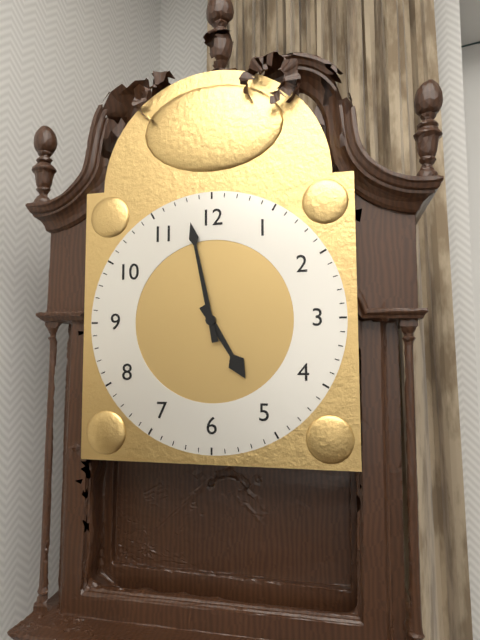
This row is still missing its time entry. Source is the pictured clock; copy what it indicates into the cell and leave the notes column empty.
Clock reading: 4:58
